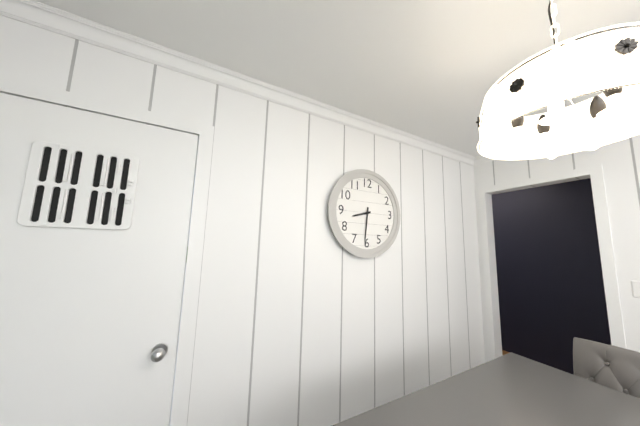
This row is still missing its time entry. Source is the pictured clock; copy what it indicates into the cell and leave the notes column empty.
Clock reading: 8:31
